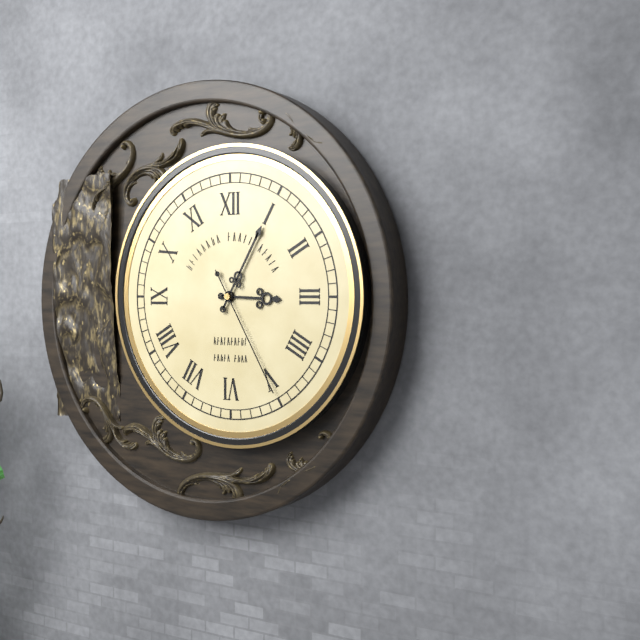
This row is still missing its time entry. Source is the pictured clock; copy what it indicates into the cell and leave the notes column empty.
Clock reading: 3:05:25
